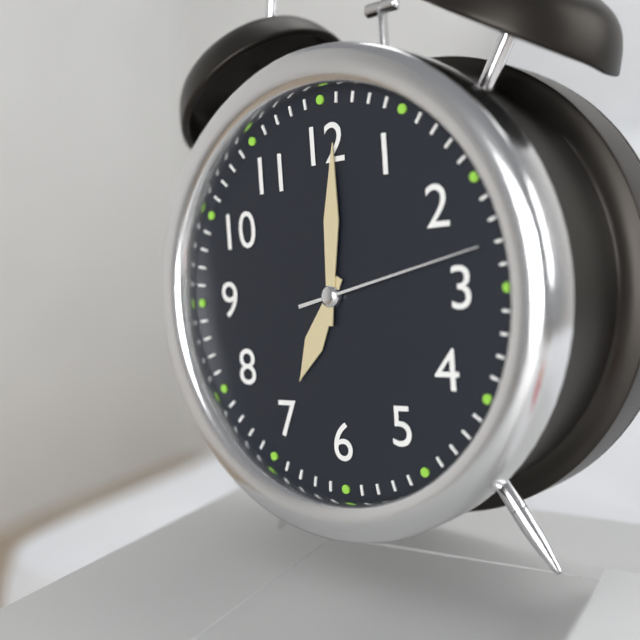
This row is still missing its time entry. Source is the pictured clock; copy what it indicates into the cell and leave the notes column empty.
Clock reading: 7:01:13
